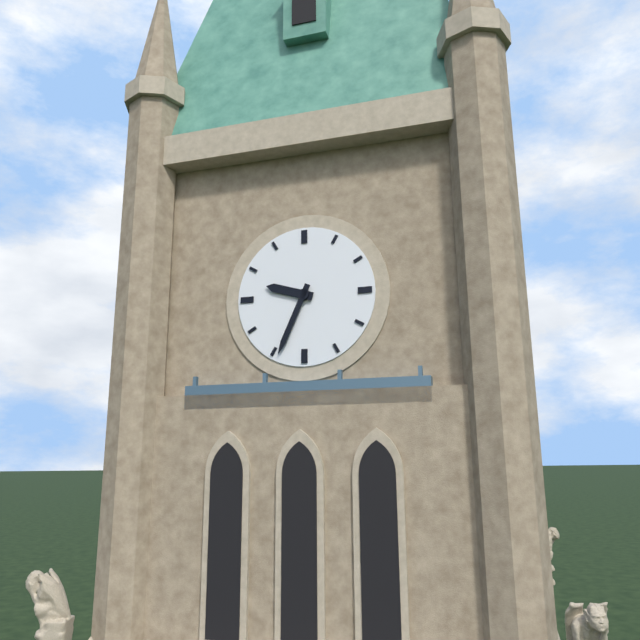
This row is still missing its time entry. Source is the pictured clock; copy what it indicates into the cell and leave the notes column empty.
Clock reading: 9:34
